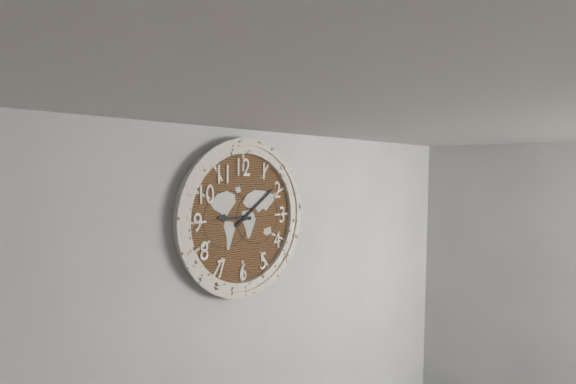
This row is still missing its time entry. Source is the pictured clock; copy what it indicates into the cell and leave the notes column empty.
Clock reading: 9:09
